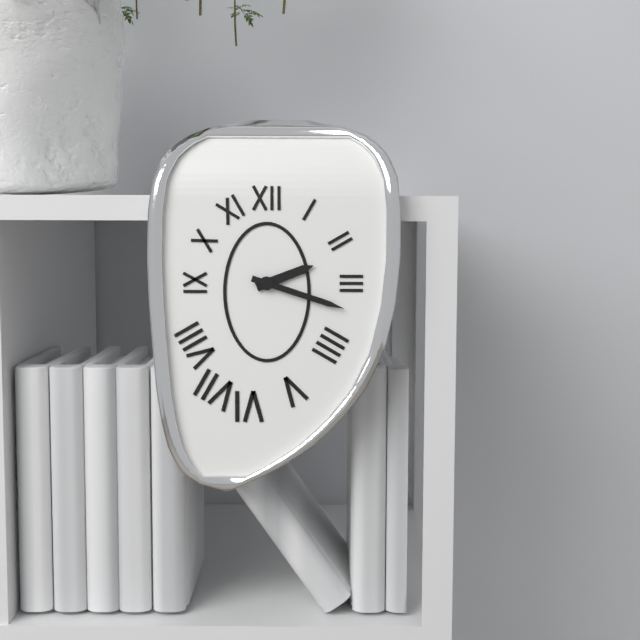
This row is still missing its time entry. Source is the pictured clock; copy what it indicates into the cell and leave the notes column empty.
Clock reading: 2:18
